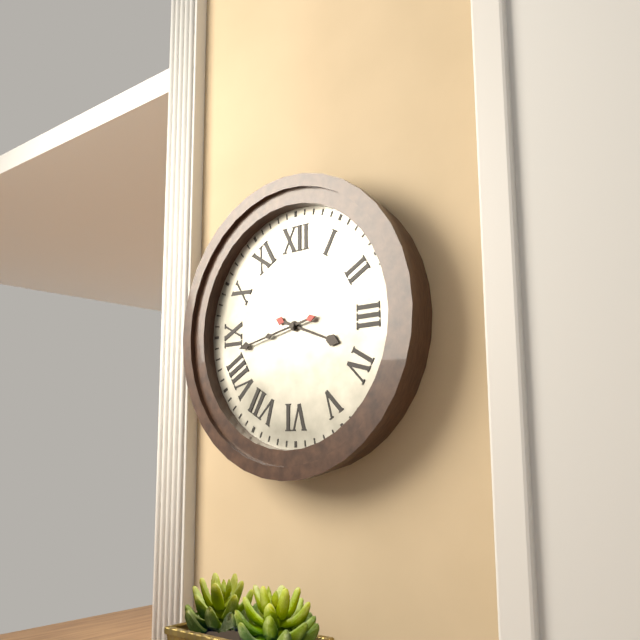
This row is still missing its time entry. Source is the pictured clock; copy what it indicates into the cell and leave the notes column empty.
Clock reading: 3:43
